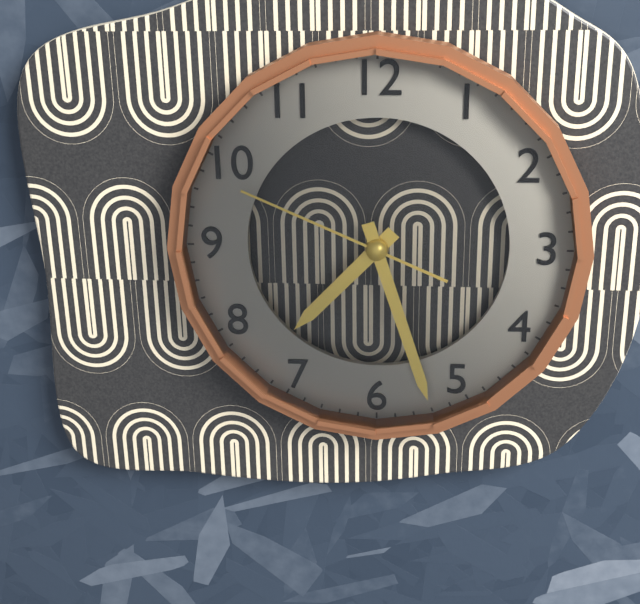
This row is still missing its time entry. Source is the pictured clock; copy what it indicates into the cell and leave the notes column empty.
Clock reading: 7:27:49
